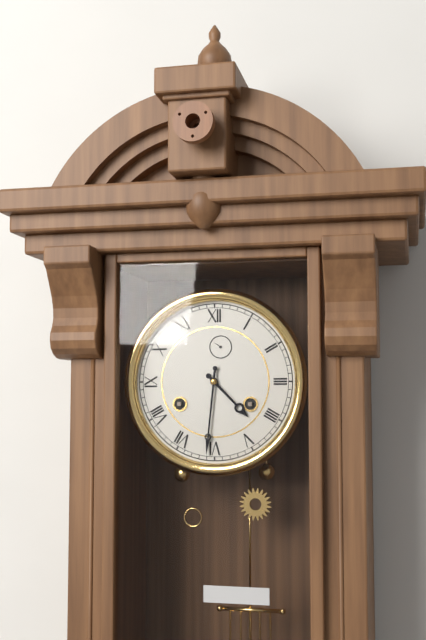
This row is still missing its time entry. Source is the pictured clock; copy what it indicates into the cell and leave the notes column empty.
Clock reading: 4:31
